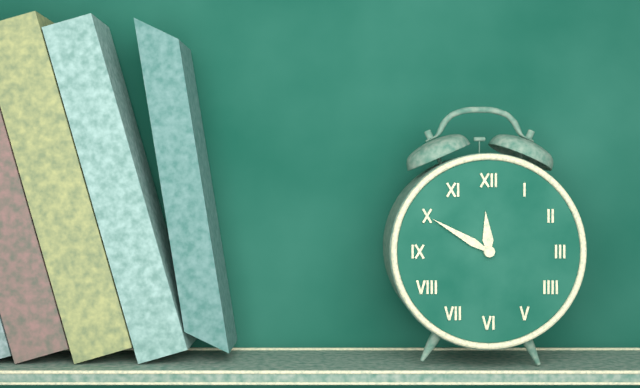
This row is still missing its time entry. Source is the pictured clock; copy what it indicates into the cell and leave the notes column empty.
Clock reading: 11:50
